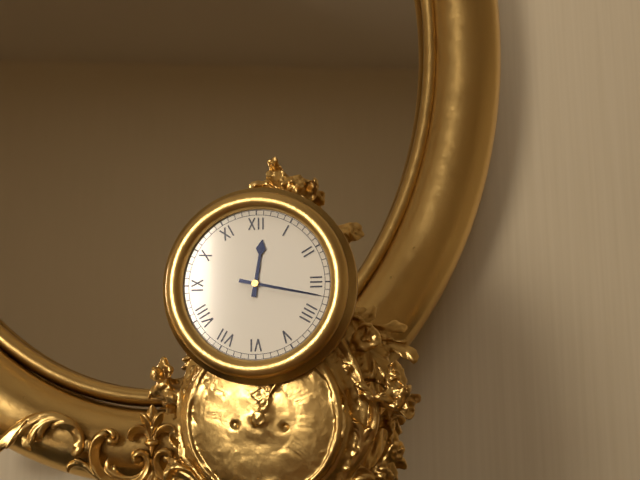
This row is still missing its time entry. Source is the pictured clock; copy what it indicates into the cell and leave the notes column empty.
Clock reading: 12:17
